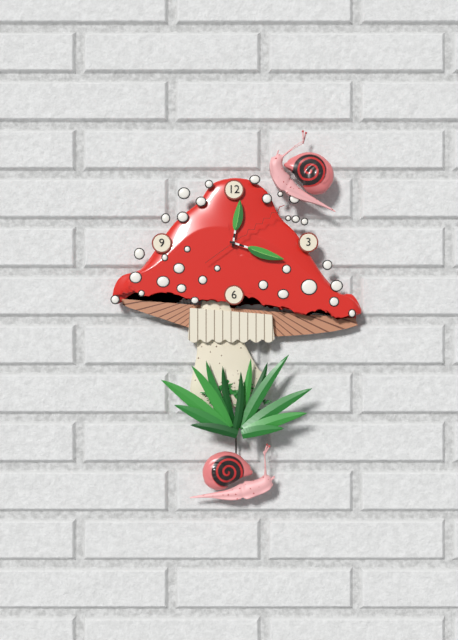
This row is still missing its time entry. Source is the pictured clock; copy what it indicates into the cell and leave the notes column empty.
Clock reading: 12:18:09
